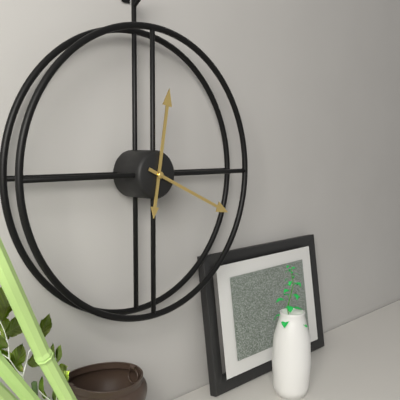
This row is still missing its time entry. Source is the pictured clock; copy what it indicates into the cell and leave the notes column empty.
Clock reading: 12:19
